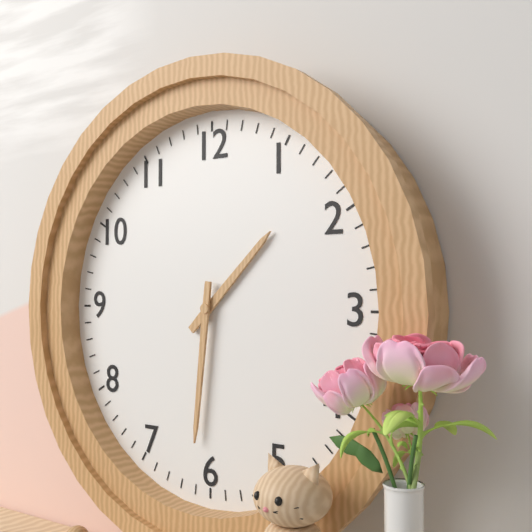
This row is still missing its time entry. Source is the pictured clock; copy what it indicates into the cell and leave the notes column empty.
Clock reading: 1:31
